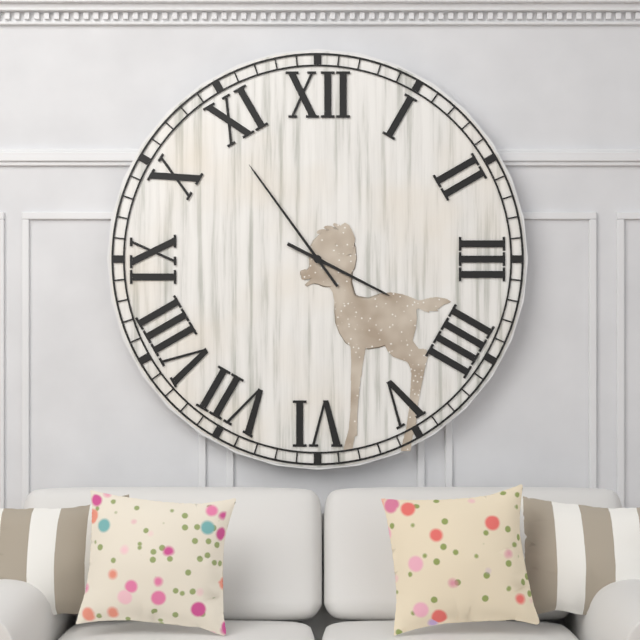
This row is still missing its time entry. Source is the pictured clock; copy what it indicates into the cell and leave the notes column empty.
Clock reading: 3:54
